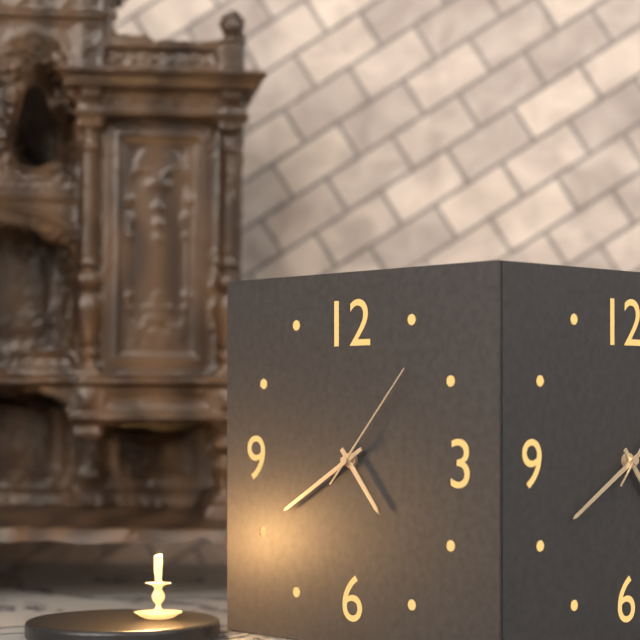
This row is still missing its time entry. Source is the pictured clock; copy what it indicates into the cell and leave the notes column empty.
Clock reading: 4:40:07
